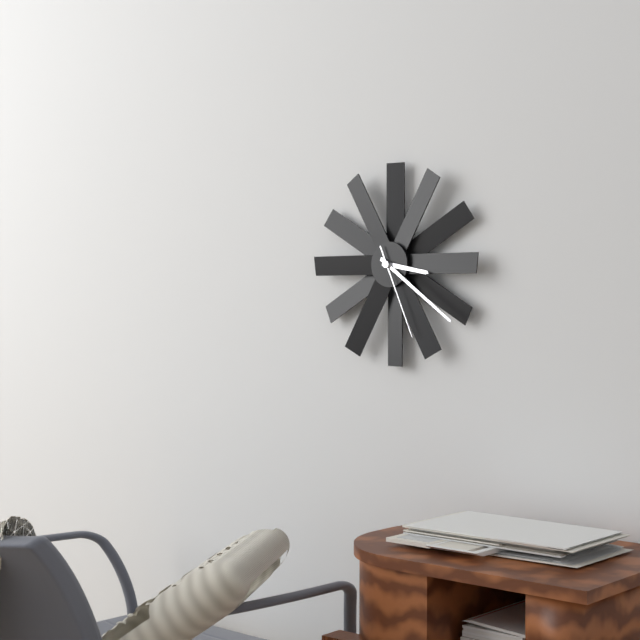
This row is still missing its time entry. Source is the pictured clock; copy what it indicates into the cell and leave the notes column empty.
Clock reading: 3:21:26
